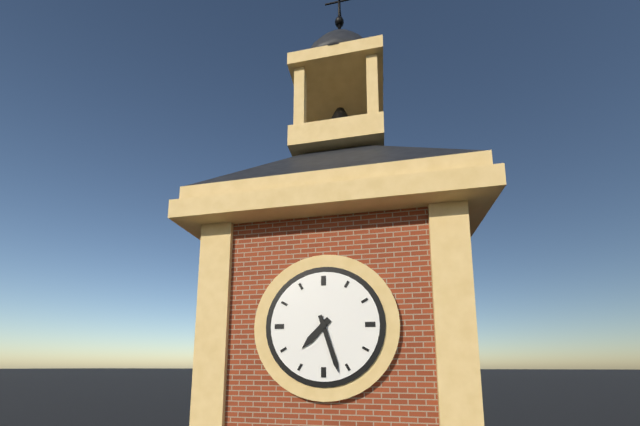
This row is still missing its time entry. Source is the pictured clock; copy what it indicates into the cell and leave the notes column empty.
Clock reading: 7:27
